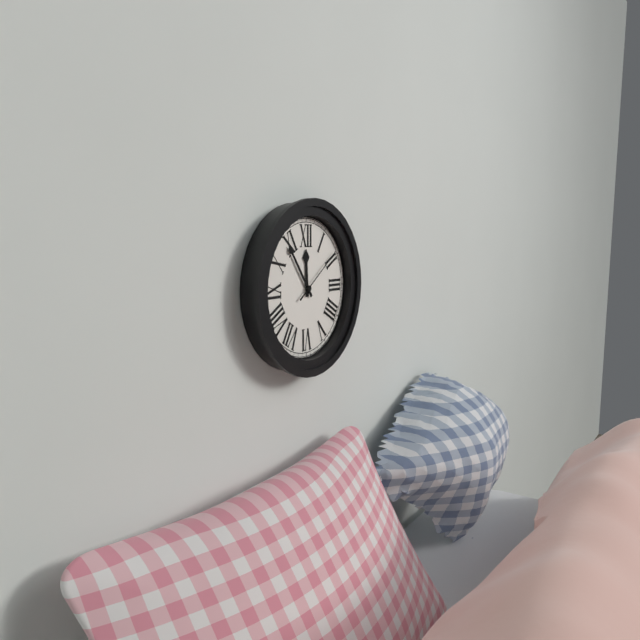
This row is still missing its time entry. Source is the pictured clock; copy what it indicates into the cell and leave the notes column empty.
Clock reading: 11:54:09
